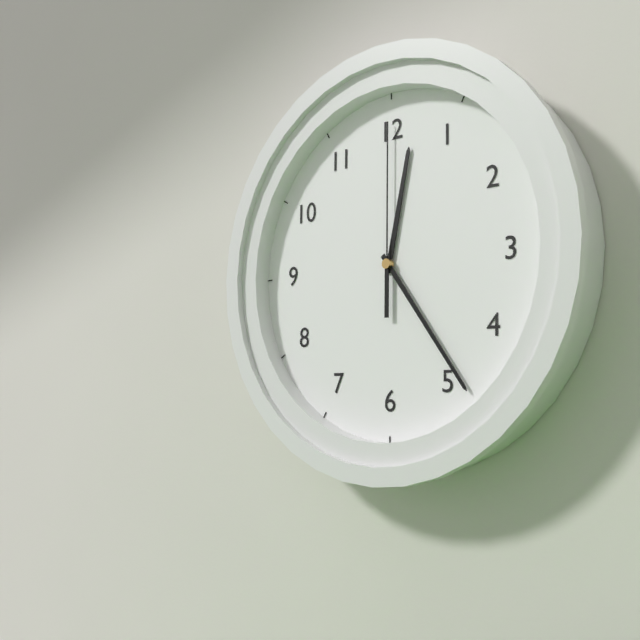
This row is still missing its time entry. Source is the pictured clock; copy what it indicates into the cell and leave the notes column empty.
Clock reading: 12:24:00
